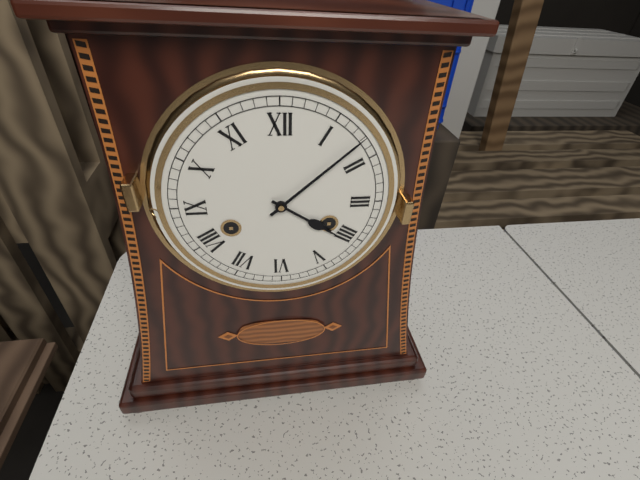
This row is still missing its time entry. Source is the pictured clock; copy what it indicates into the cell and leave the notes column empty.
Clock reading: 4:08
